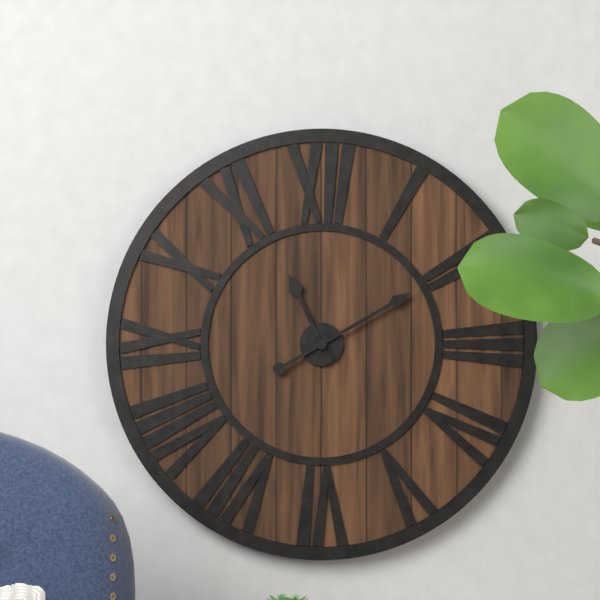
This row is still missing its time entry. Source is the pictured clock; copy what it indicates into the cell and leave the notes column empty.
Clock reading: 11:10
